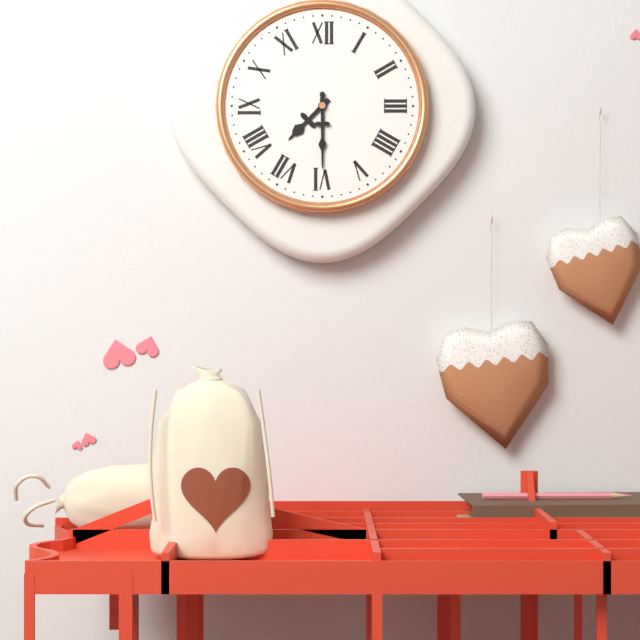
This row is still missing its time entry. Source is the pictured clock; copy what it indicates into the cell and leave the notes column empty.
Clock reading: 7:30
